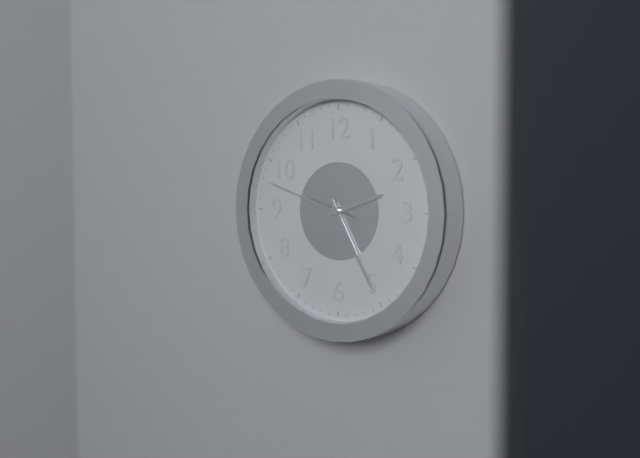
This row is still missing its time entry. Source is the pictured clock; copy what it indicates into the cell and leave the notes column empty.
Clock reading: 2:25:48
